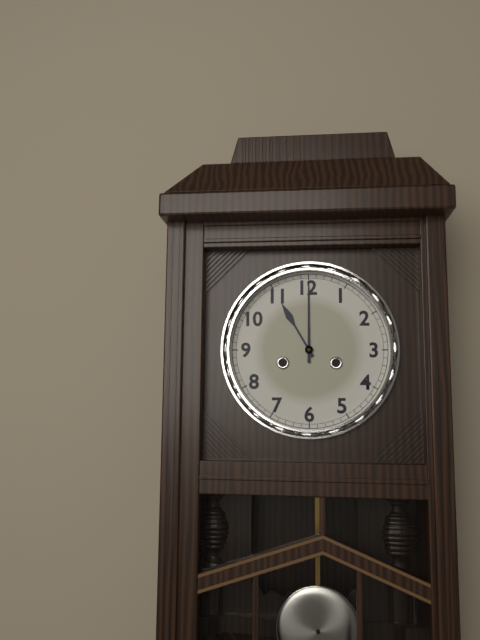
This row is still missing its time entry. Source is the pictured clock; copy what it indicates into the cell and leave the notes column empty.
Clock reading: 11:00
